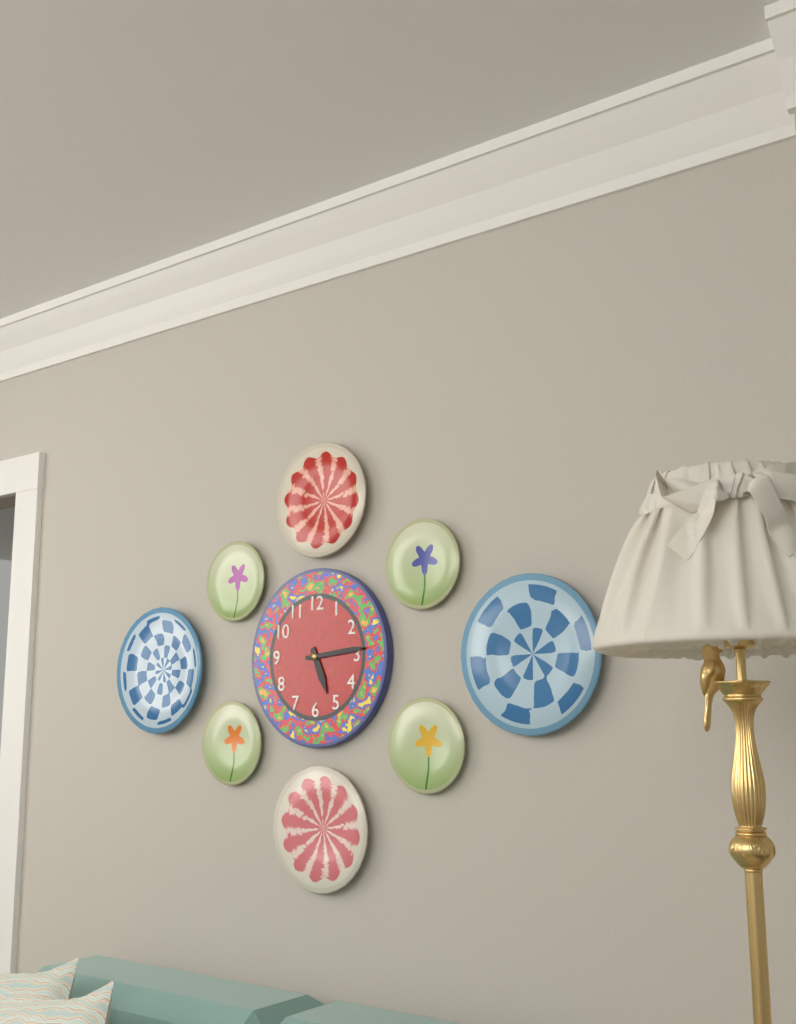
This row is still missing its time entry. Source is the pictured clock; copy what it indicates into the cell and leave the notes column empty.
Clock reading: 5:14
